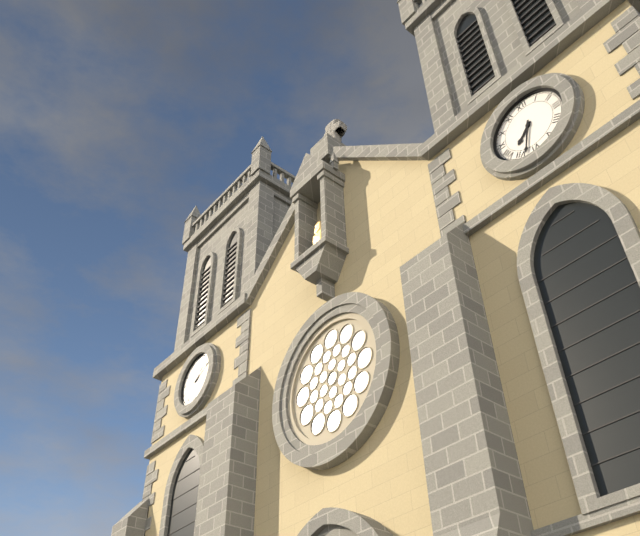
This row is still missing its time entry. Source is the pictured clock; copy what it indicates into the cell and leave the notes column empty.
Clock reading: 7:33
